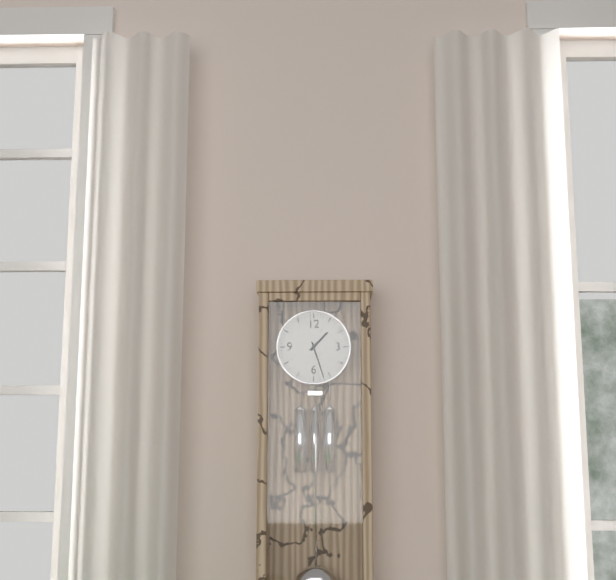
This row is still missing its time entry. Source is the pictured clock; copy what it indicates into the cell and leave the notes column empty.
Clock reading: 1:27
